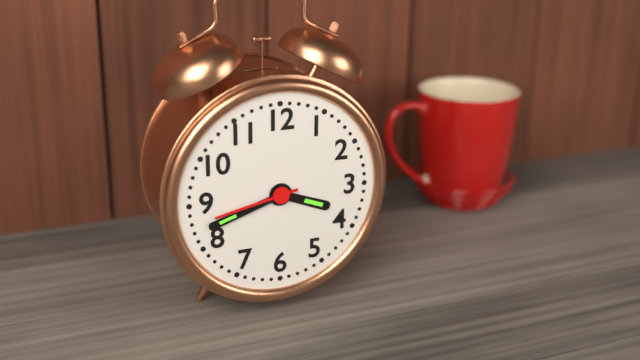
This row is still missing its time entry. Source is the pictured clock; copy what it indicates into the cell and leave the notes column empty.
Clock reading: 3:42:43
